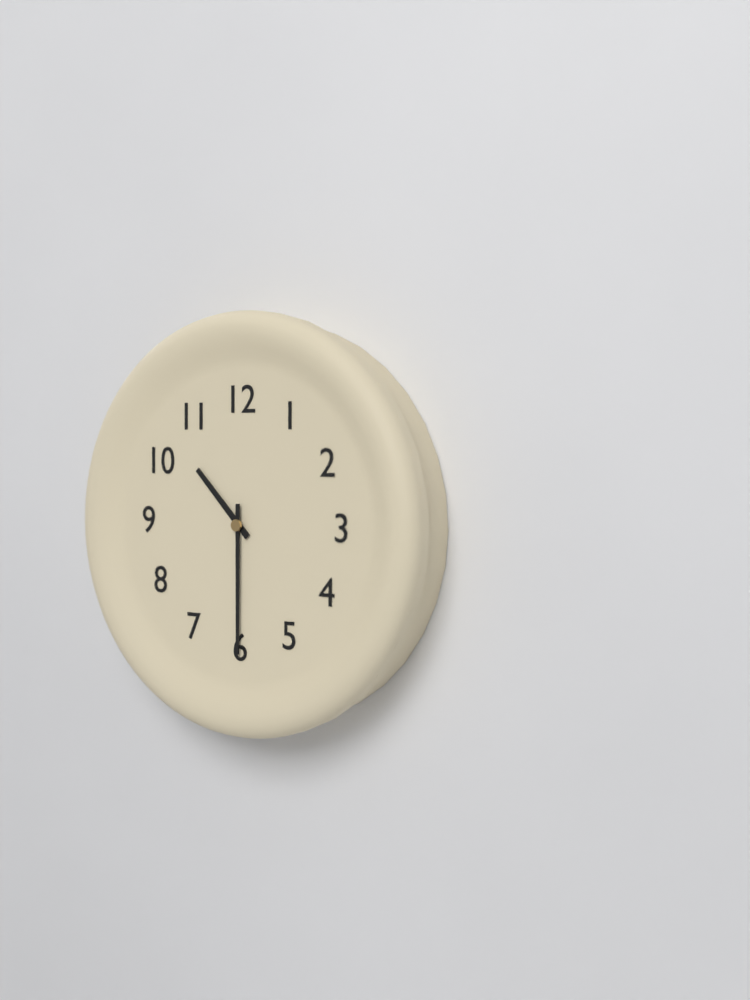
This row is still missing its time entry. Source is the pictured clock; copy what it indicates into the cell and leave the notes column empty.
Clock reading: 10:30
